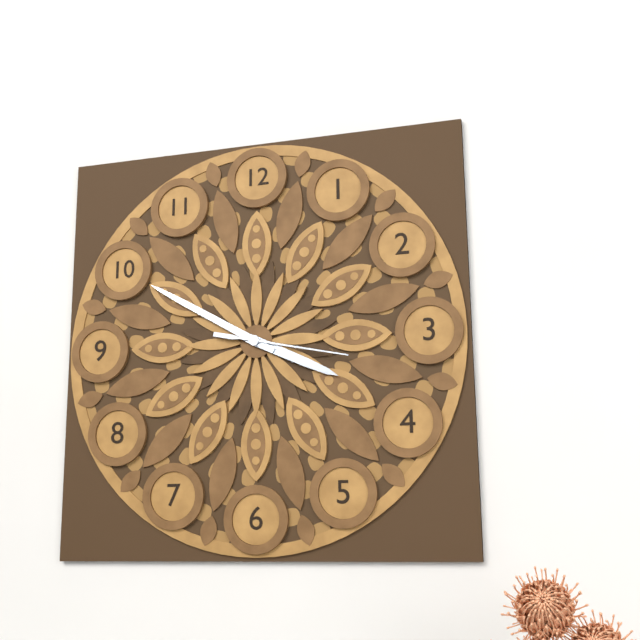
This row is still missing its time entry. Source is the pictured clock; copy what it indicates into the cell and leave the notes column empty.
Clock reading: 3:50:17
